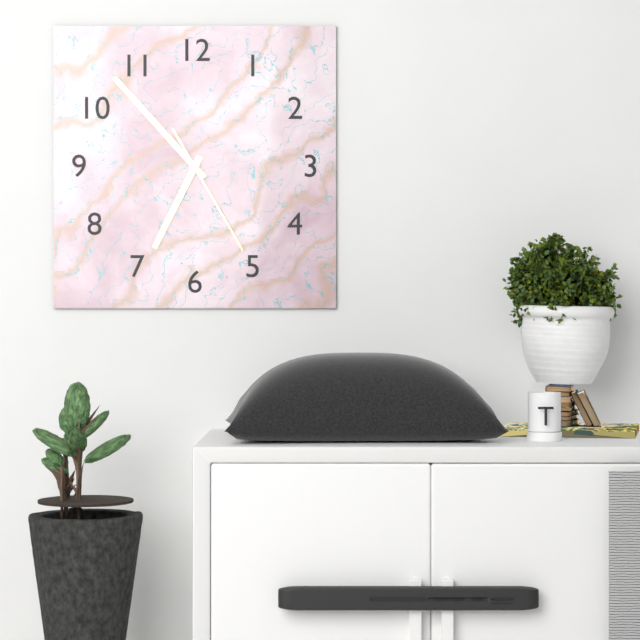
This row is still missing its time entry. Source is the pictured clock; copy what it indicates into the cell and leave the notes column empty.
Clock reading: 6:53:25
